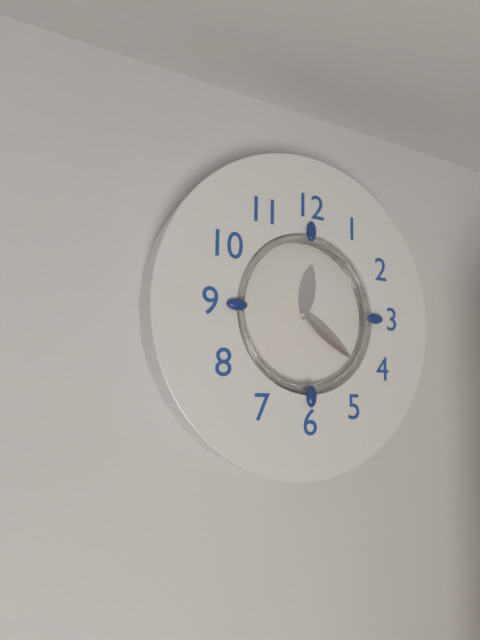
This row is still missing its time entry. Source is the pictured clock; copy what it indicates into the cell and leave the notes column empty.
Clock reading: 12:21
